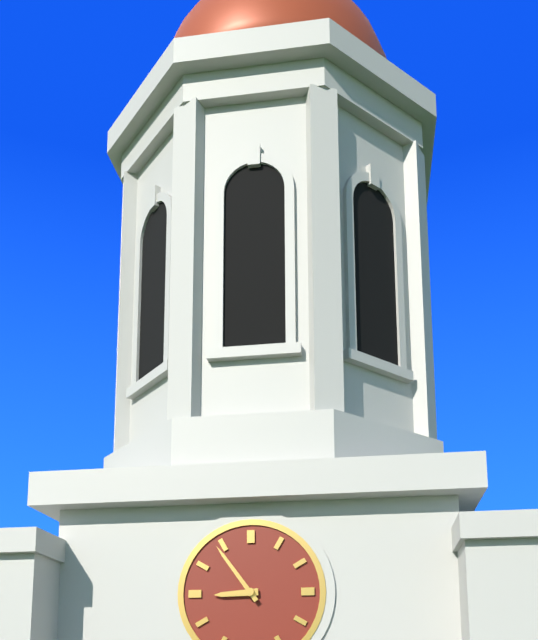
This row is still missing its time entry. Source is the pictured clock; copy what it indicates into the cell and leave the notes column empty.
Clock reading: 8:54
